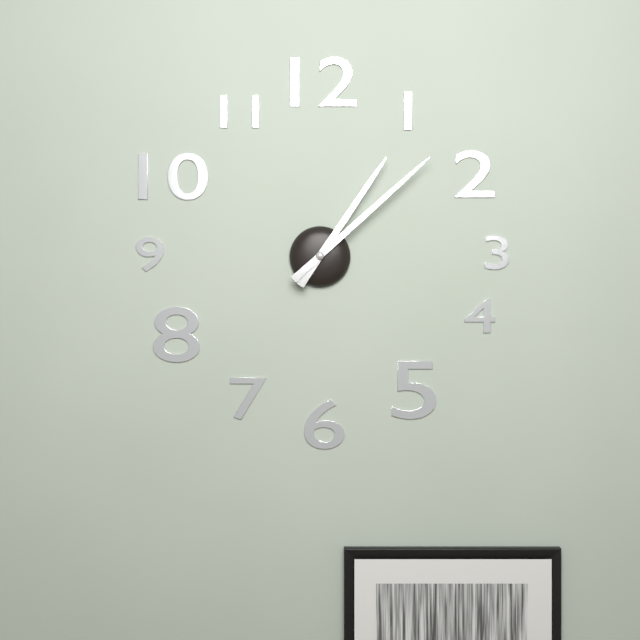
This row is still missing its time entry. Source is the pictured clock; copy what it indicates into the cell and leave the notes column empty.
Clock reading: 1:08
